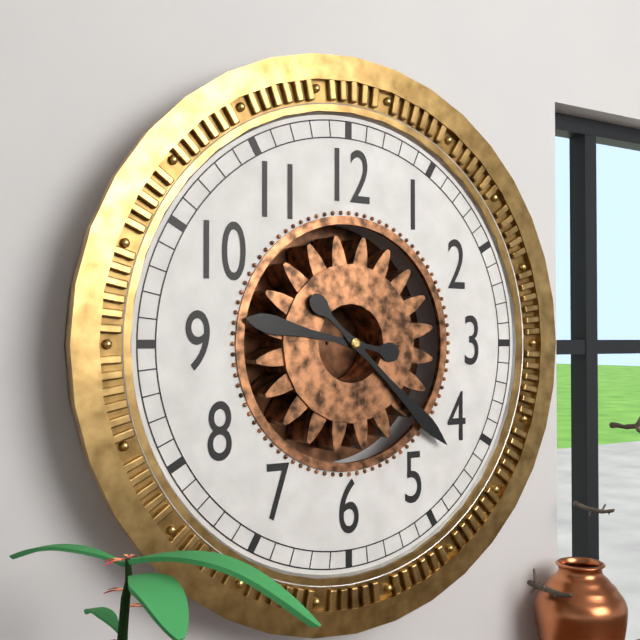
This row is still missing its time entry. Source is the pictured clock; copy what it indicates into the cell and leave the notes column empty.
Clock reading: 9:22
